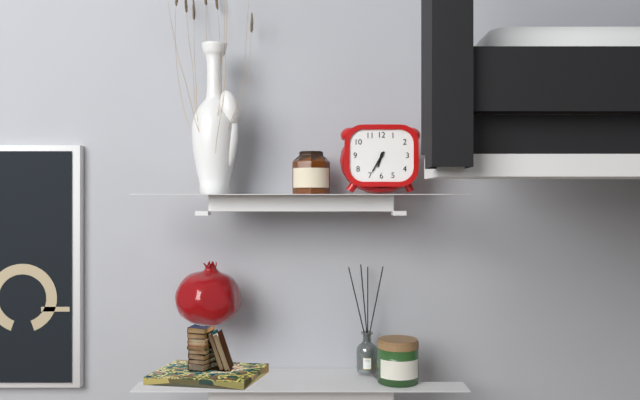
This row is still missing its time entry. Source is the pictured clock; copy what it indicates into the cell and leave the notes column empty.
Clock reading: 6:35
